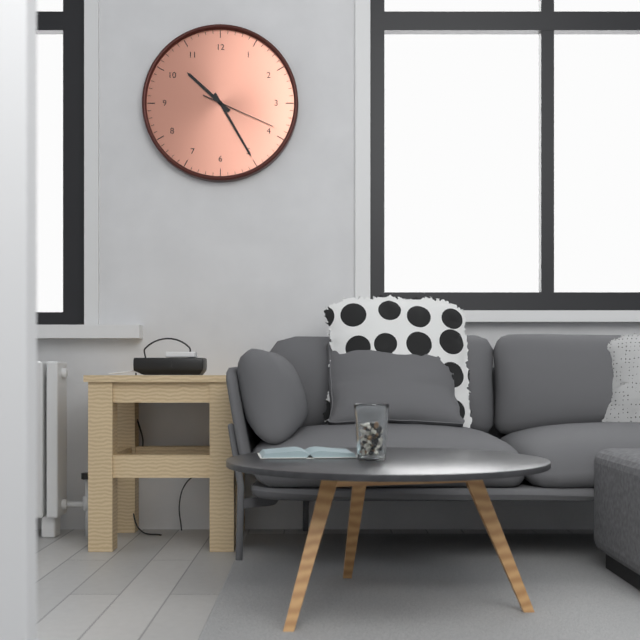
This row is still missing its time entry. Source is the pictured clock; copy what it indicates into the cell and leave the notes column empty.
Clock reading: 10:25:19
